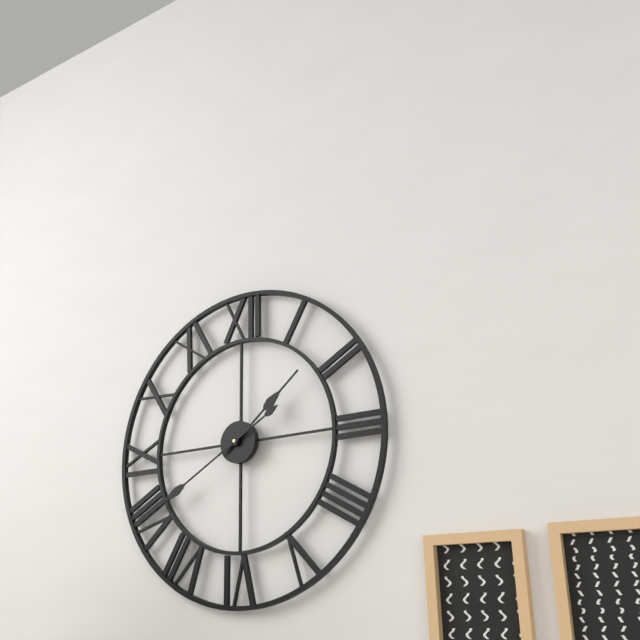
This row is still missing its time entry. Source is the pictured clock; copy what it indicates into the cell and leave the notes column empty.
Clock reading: 1:40
